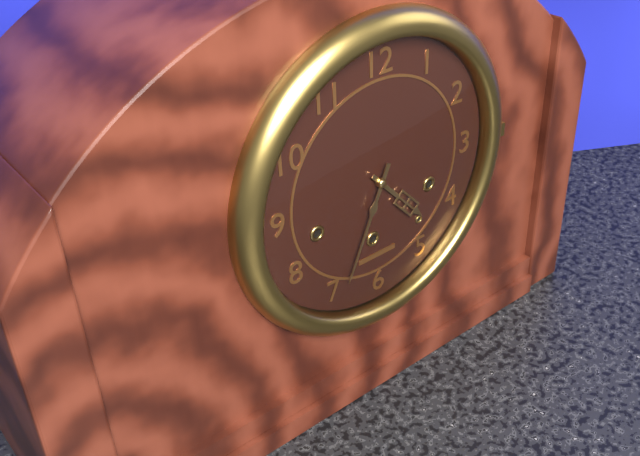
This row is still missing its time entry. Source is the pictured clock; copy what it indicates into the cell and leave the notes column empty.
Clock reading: 4:34
